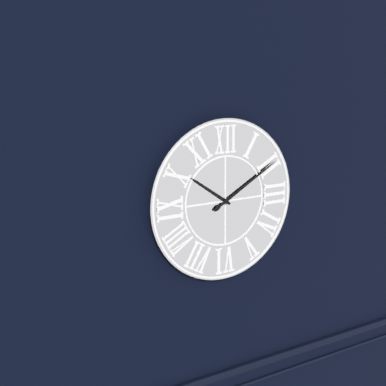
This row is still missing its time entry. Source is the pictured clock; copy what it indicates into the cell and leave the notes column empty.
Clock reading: 10:10
